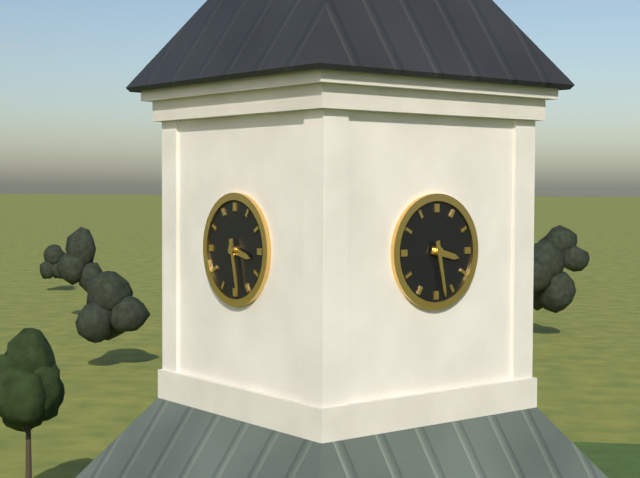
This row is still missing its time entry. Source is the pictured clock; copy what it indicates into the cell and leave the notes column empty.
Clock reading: 3:28
